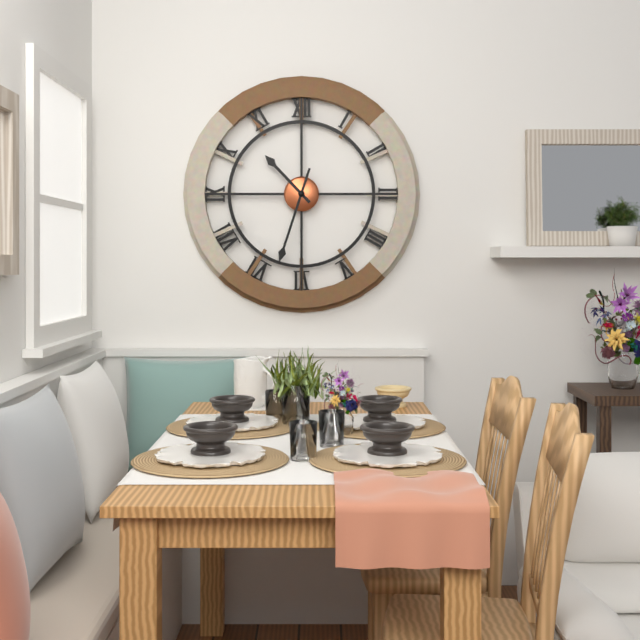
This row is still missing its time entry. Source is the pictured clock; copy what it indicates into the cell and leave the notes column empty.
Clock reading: 10:33
